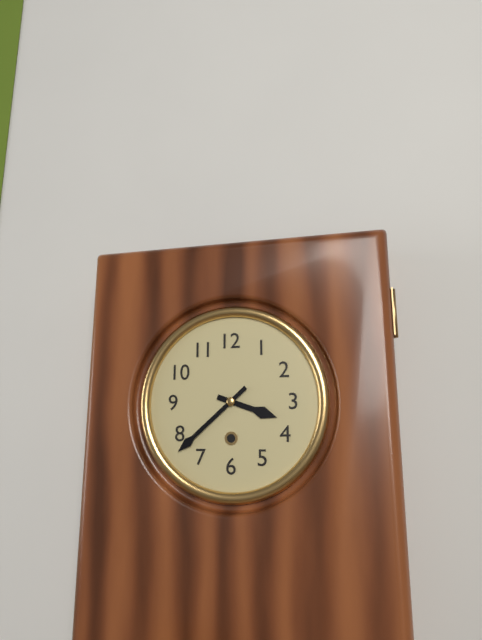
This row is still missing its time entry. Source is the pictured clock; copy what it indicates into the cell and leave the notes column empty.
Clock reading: 3:38
